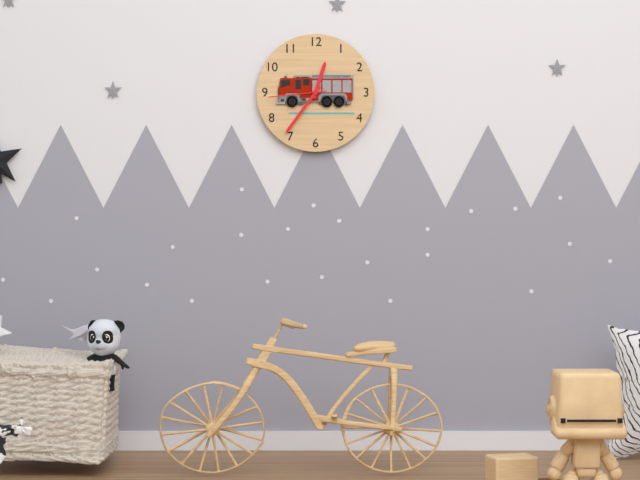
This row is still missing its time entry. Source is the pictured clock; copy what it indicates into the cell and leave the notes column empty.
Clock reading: 12:36:44
